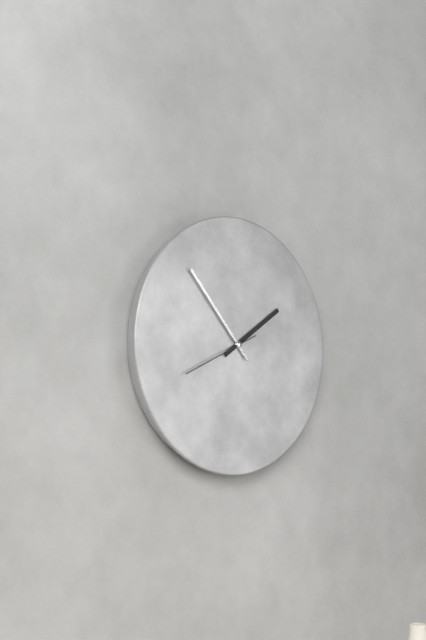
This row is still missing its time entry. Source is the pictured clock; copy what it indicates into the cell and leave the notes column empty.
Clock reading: 1:53:41
